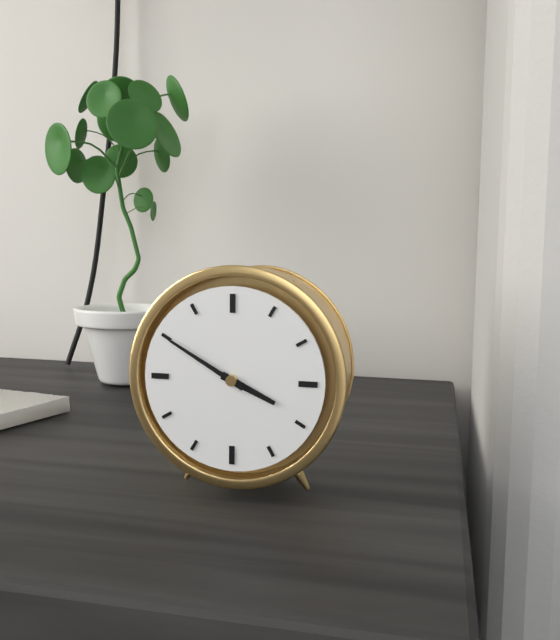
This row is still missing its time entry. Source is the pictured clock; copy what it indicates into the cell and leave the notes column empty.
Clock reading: 3:50
